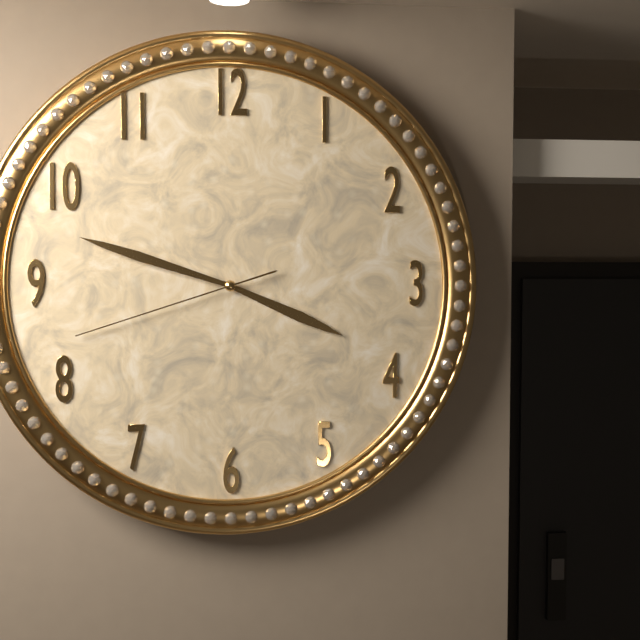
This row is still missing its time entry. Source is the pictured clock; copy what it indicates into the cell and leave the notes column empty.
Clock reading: 3:48:42
